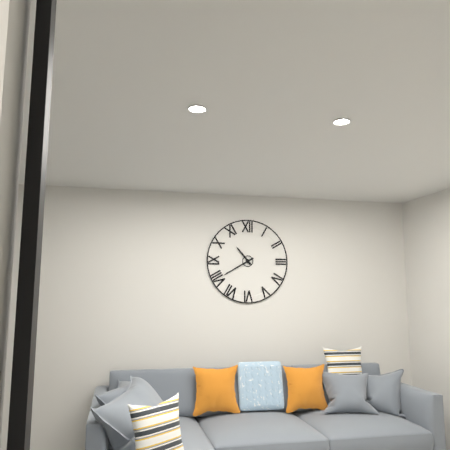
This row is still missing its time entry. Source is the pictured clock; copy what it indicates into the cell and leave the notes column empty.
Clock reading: 10:40
